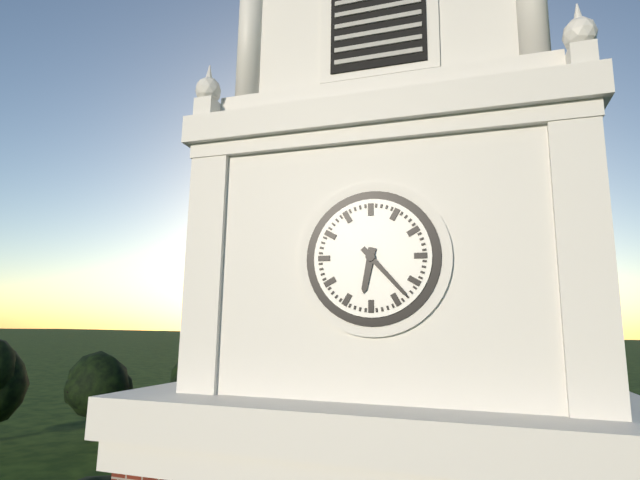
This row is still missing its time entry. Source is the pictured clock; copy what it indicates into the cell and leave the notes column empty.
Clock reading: 6:23
